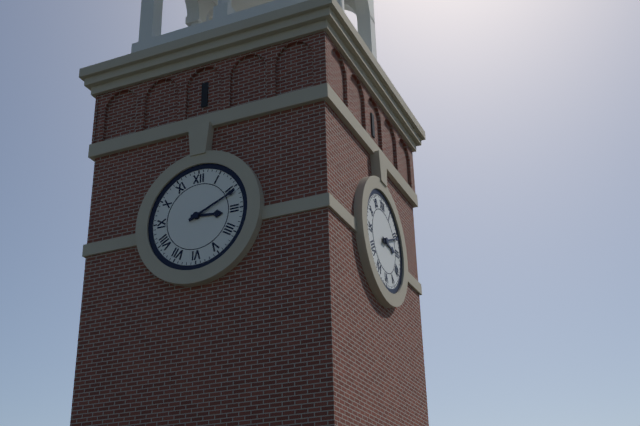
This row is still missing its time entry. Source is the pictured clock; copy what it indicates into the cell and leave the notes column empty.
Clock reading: 3:11
